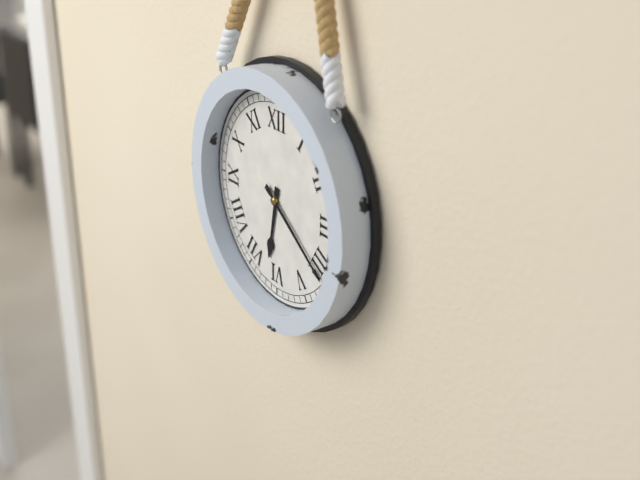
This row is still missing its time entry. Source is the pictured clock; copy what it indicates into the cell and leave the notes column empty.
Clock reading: 6:21
